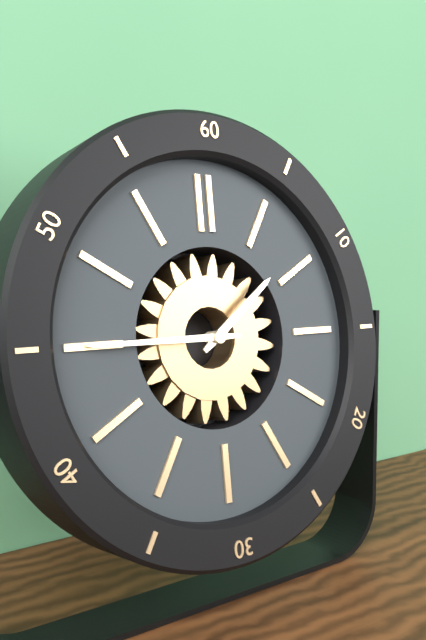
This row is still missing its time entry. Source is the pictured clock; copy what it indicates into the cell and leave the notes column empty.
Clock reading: 1:45
